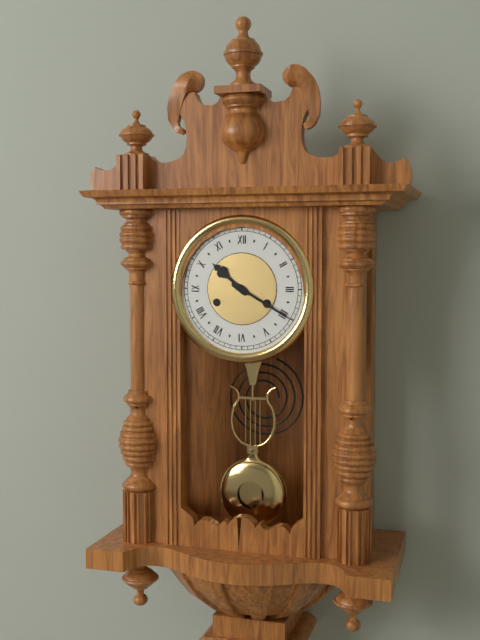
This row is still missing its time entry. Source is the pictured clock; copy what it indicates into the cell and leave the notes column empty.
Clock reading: 10:20
